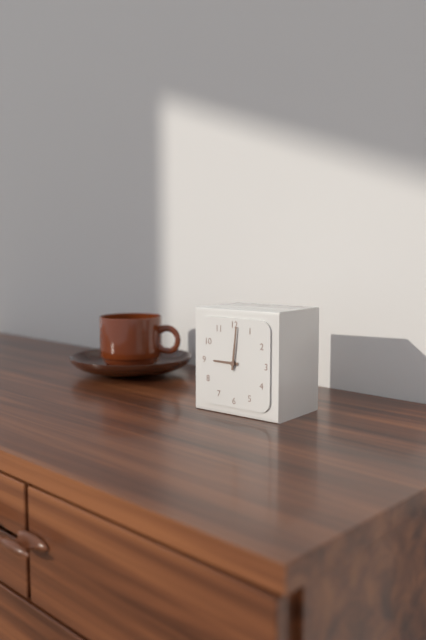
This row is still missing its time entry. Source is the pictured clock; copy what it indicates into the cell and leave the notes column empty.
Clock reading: 9:01
